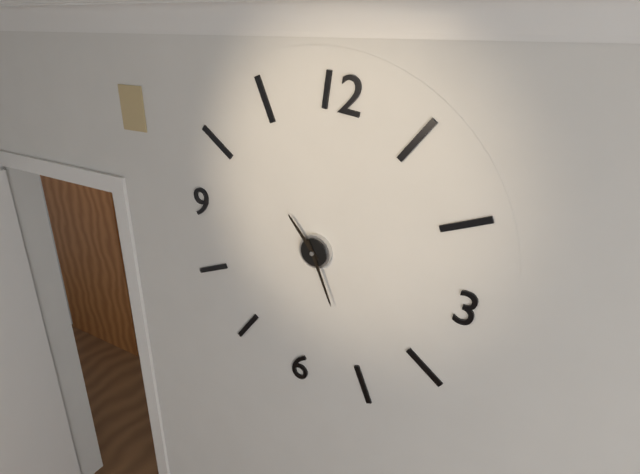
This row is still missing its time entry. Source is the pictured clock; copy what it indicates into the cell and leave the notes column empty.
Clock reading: 10:25
